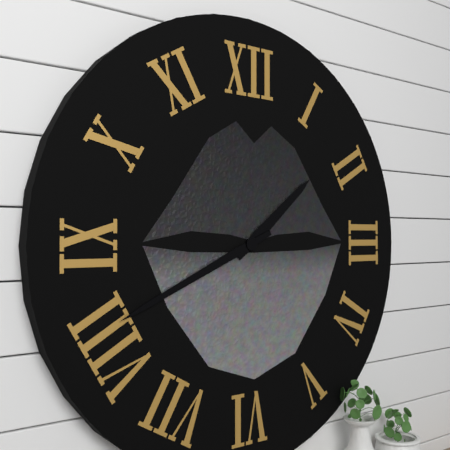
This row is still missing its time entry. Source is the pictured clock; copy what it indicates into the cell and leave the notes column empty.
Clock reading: 1:41
